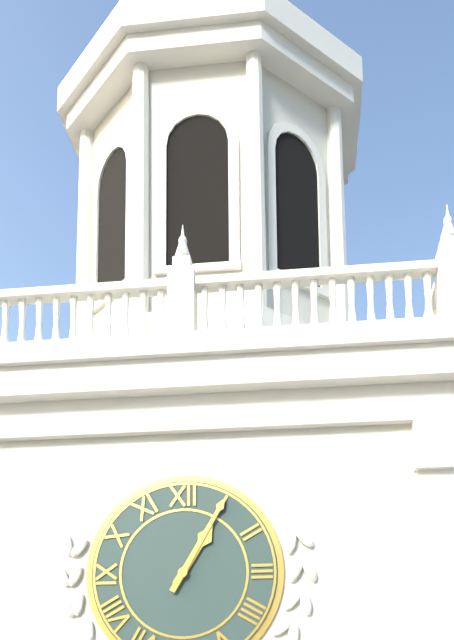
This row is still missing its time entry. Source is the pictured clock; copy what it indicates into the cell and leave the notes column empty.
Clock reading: 1:05
